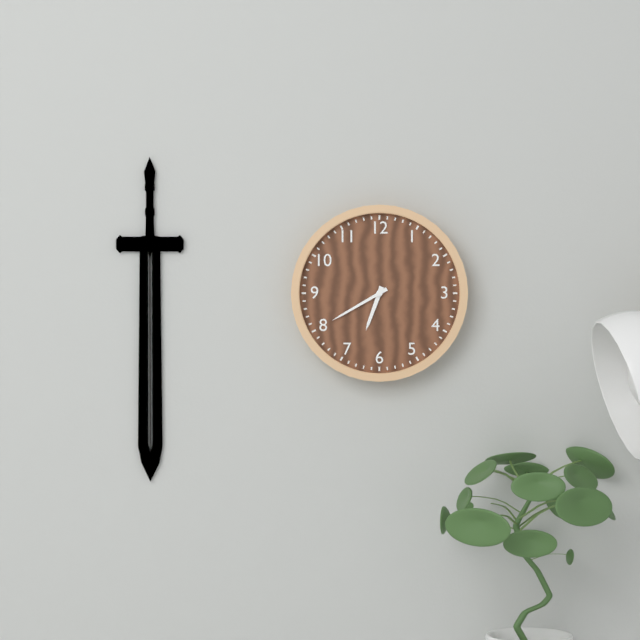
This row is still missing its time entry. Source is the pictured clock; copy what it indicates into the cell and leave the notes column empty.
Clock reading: 6:40
